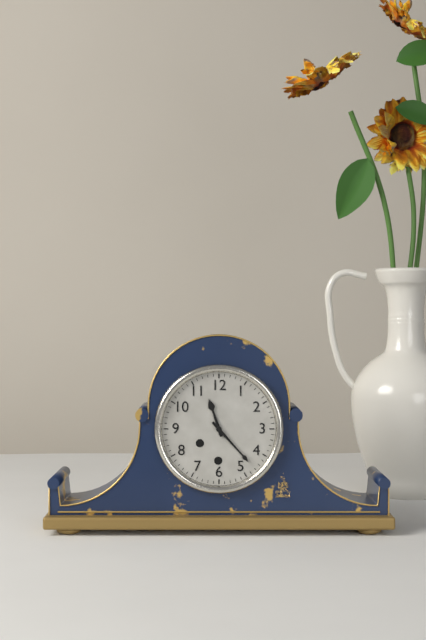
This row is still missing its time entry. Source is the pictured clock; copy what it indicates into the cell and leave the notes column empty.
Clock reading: 11:23
